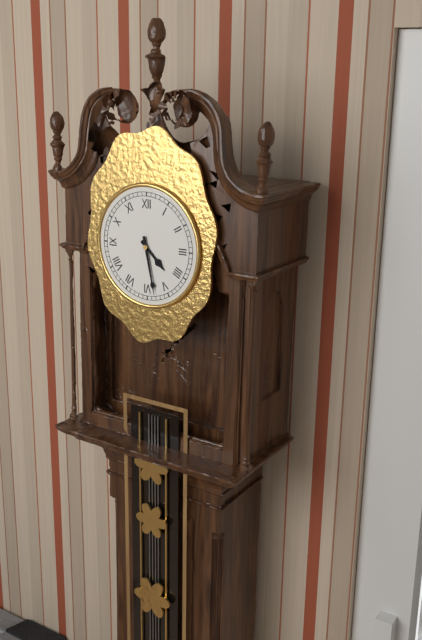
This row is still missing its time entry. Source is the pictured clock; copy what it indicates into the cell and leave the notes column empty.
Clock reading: 4:28
